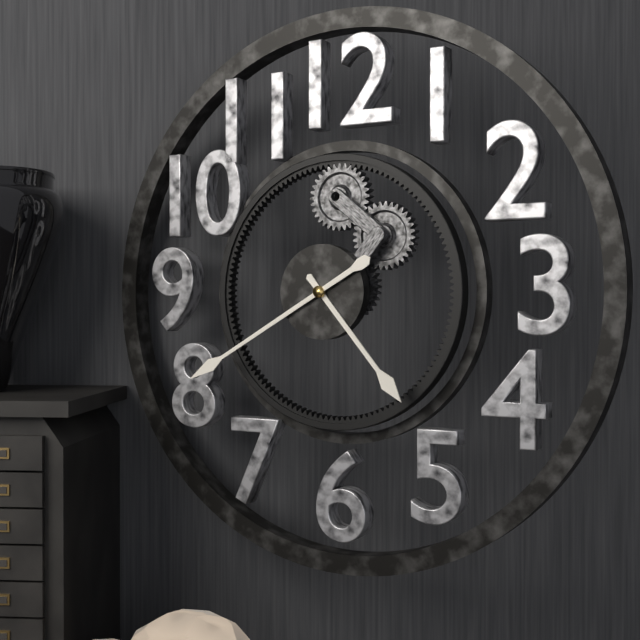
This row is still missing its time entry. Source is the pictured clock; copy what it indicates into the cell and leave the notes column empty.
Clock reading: 4:40
